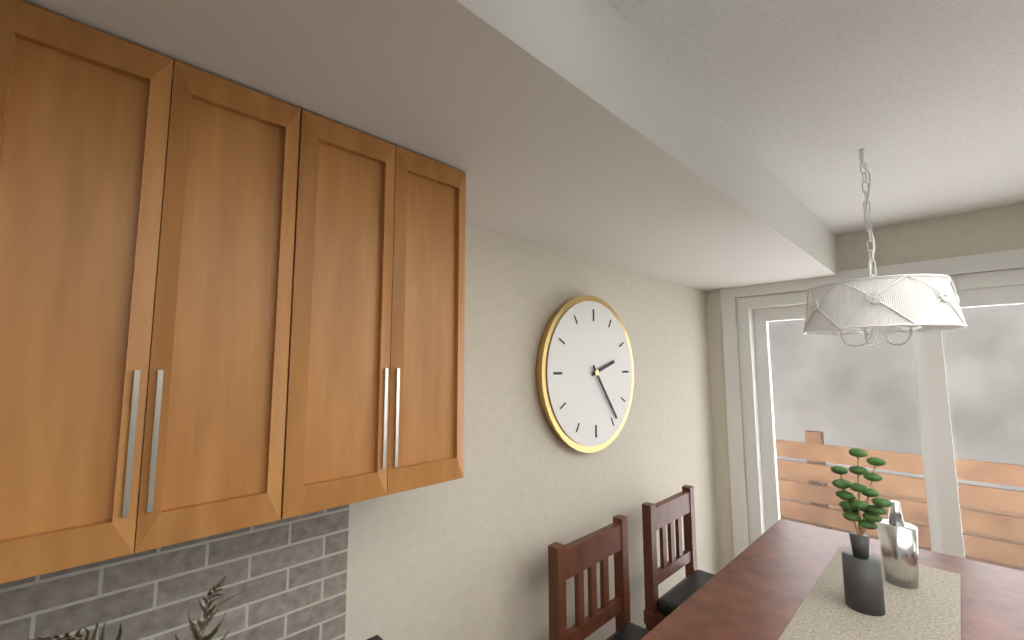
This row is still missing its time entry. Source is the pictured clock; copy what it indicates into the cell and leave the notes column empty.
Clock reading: 2:24
